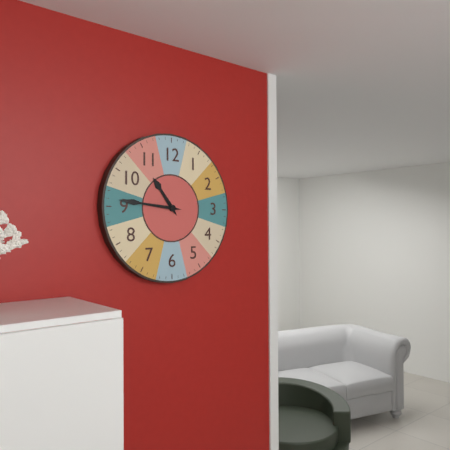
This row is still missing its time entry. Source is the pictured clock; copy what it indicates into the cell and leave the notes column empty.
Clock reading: 10:46
